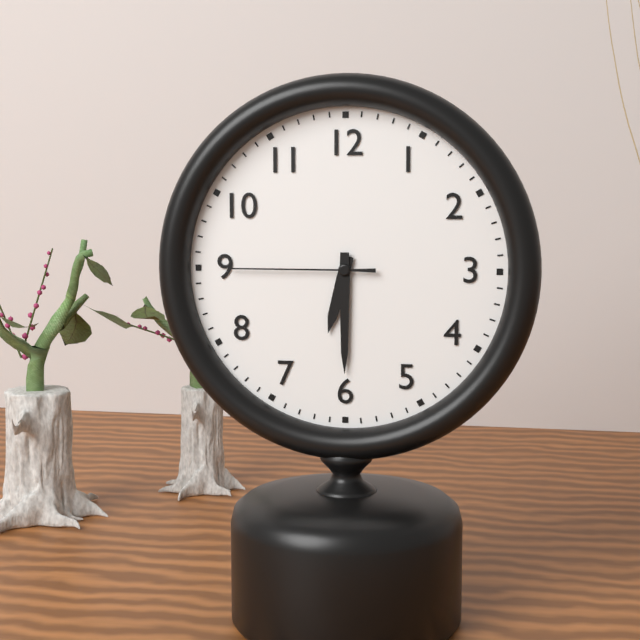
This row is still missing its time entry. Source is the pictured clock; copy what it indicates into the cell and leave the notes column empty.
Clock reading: 6:30:45
